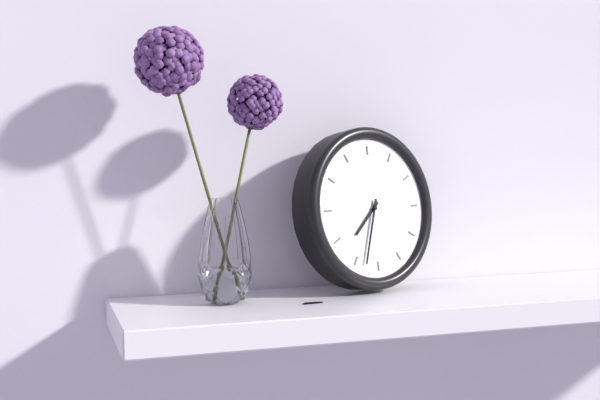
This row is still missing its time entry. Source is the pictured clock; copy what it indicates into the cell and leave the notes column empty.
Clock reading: 7:33
